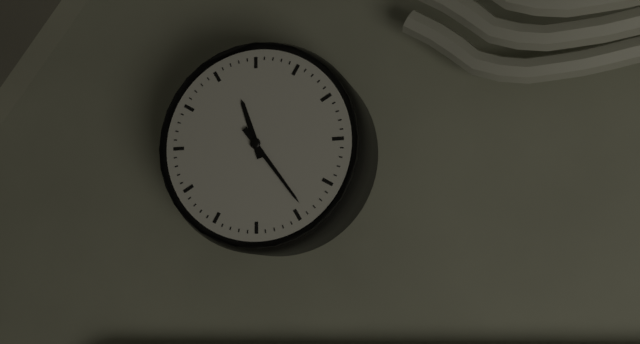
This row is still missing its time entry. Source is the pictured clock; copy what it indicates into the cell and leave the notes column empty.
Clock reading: 11:24
